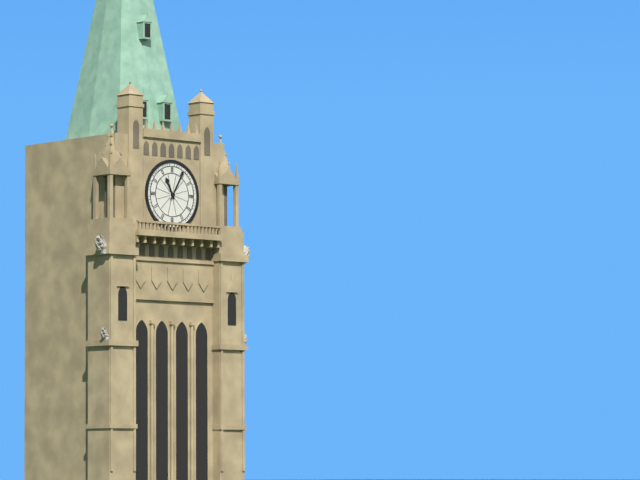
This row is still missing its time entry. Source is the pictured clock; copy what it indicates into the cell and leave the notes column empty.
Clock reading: 11:05
